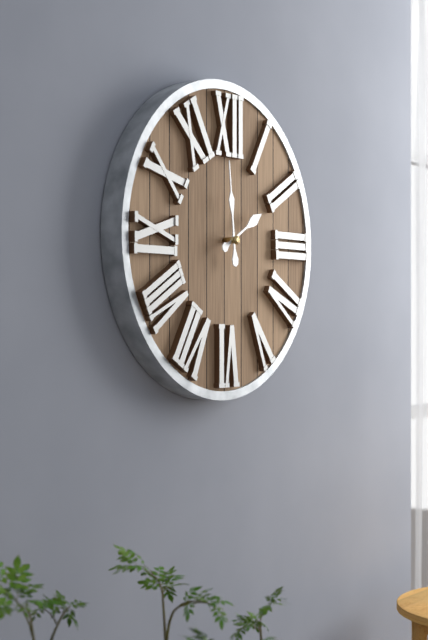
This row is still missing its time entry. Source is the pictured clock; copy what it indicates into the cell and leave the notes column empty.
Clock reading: 1:59
